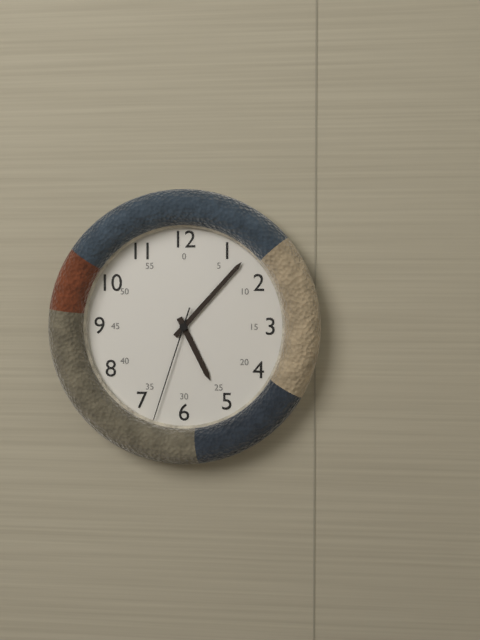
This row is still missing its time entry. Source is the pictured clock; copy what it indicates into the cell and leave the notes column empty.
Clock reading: 5:07:33
